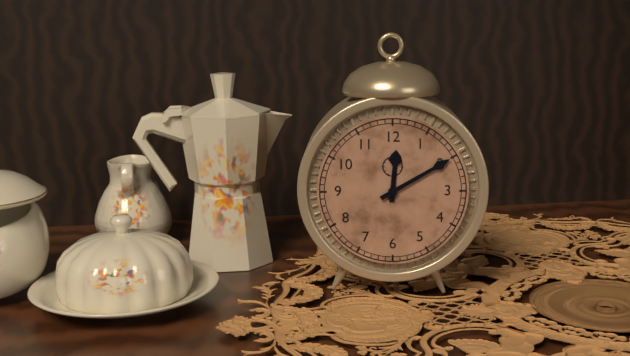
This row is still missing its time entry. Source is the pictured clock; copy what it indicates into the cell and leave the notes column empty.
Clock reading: 12:10
